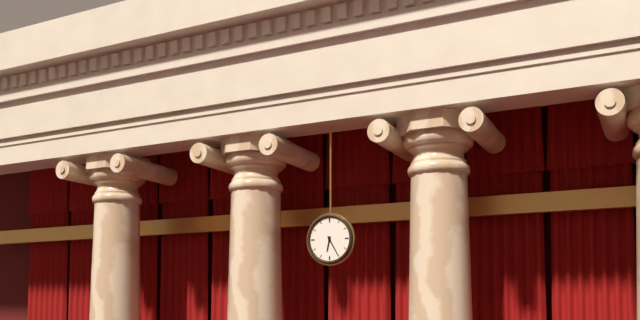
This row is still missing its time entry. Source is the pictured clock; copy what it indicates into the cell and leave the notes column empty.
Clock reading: 6:25
